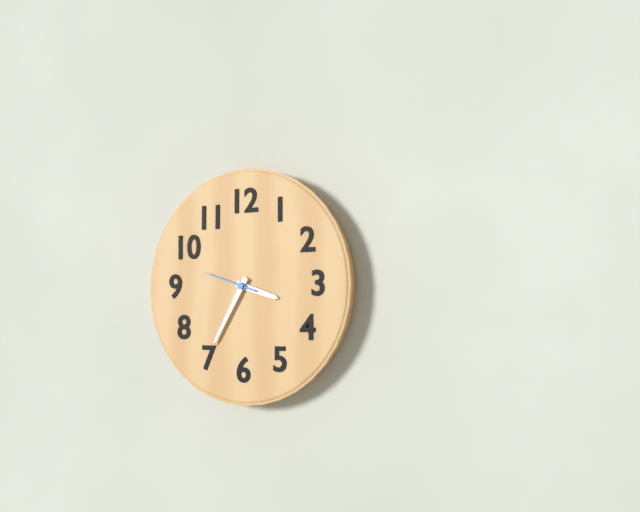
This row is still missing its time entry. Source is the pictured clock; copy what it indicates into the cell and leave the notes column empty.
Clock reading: 3:35
